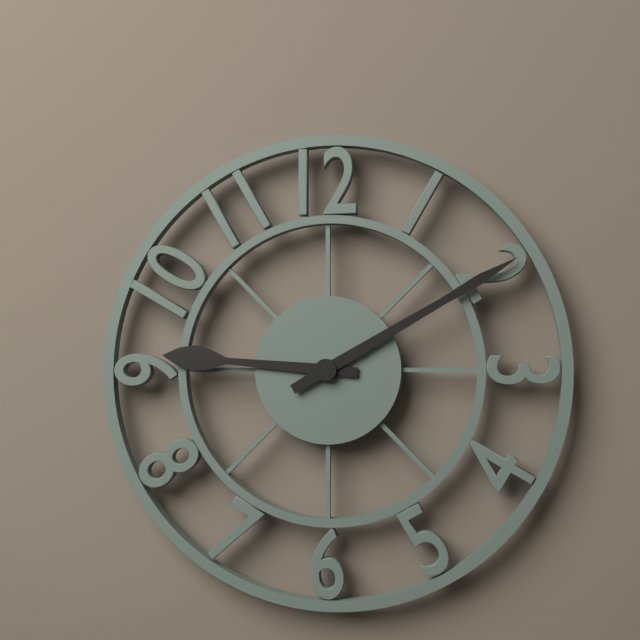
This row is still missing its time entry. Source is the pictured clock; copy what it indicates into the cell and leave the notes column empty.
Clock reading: 9:10
